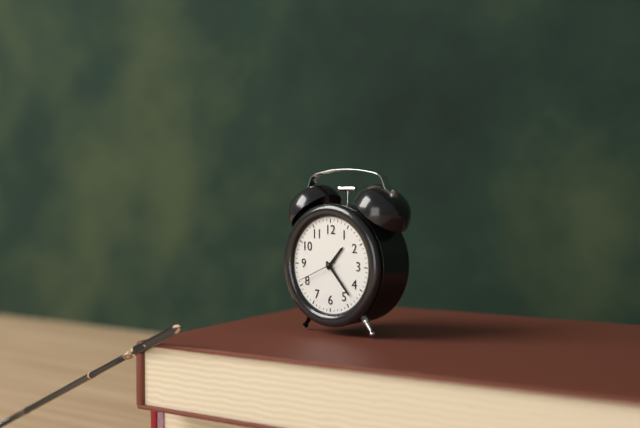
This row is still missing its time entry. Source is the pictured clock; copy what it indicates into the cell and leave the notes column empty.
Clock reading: 1:23
